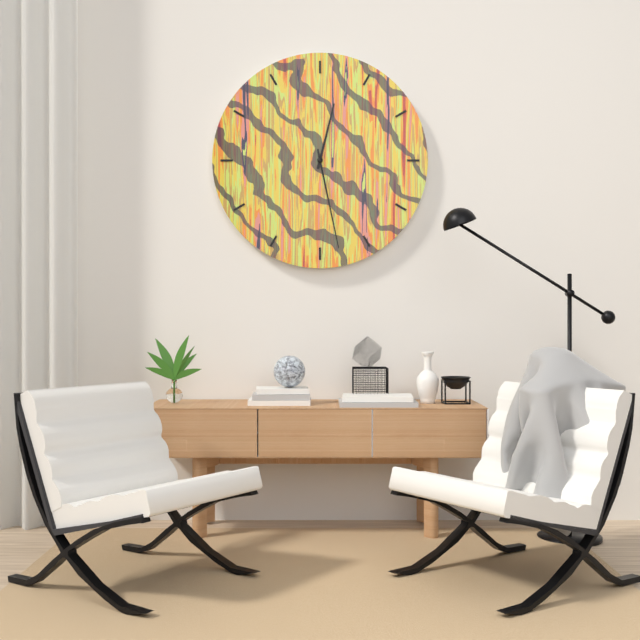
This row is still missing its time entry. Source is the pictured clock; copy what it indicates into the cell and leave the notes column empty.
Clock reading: 12:28
